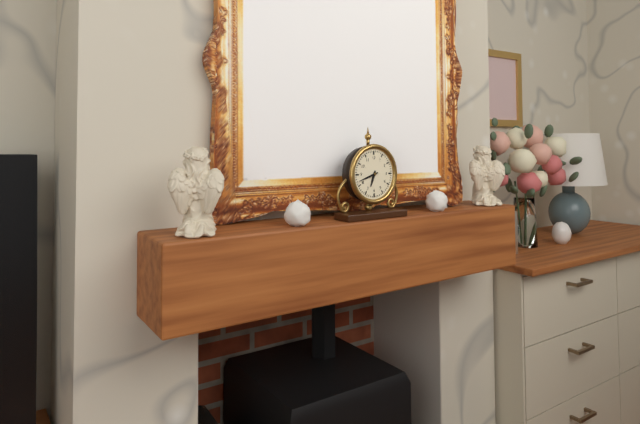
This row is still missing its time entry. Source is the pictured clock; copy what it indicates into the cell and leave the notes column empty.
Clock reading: 6:42
